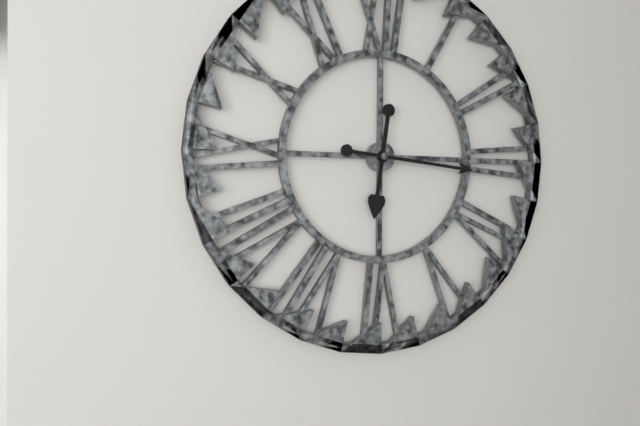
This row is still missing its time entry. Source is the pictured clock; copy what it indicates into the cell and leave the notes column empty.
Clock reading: 6:16
